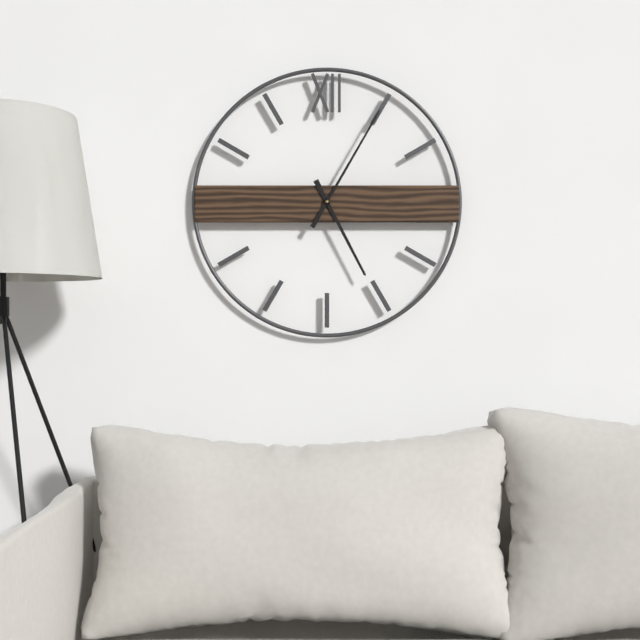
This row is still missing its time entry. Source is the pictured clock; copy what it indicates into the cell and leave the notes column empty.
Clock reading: 5:05
